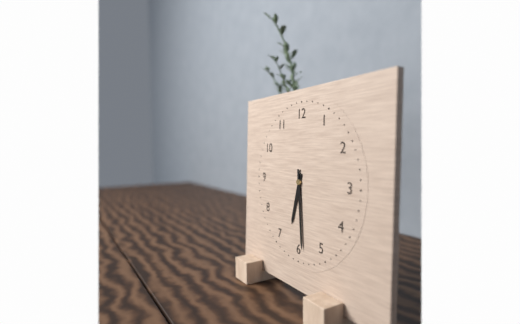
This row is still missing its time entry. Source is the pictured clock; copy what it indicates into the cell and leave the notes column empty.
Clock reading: 6:29
